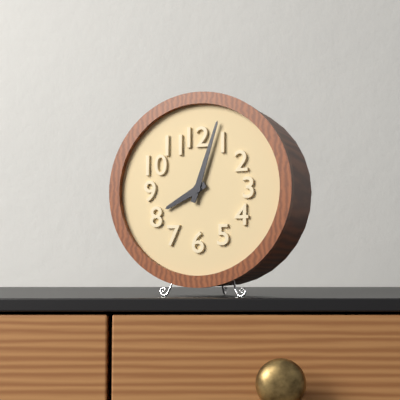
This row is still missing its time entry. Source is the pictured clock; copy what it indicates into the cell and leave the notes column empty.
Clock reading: 8:03
